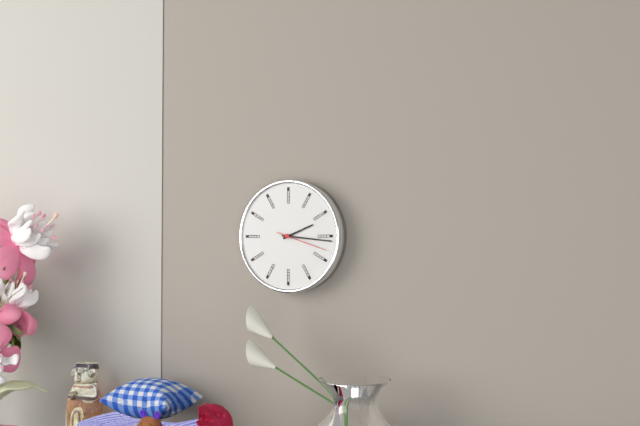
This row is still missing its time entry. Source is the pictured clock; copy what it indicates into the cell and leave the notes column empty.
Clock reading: 2:16:18
